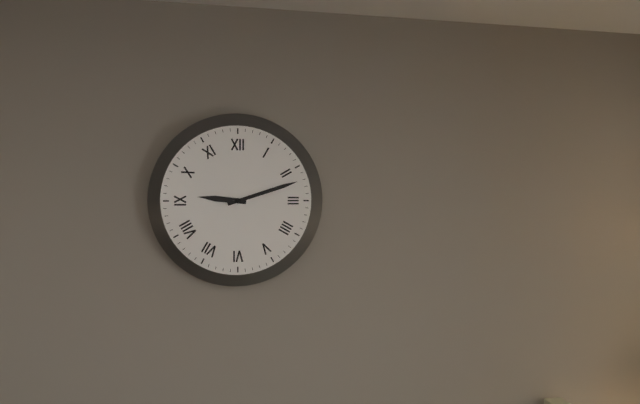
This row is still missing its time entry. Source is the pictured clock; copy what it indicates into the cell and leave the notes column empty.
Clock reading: 9:12
